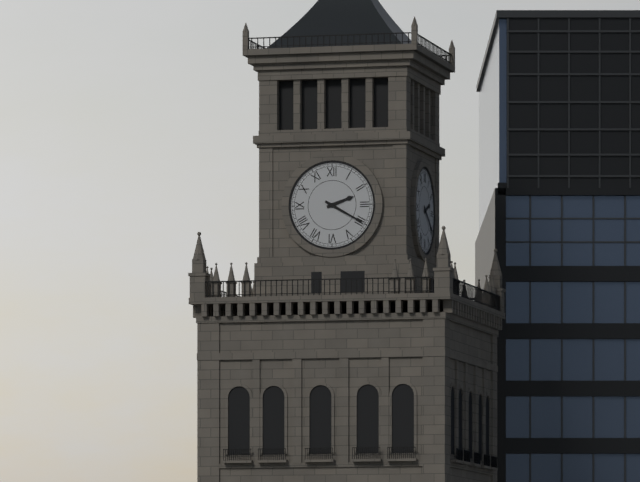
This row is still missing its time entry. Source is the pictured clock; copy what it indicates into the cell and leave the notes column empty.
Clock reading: 2:20
